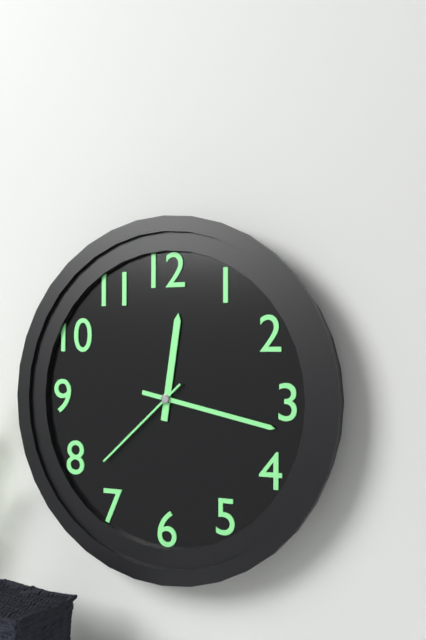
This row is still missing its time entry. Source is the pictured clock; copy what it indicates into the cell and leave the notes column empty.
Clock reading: 12:17:38
